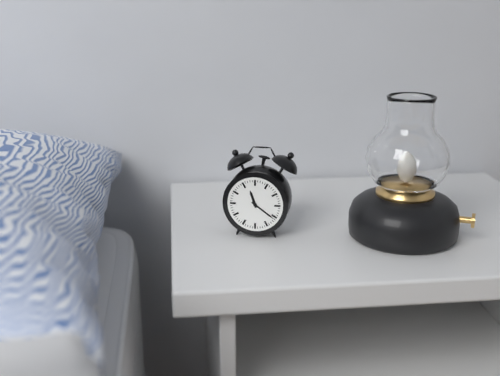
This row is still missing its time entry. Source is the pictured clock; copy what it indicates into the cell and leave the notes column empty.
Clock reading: 11:21
